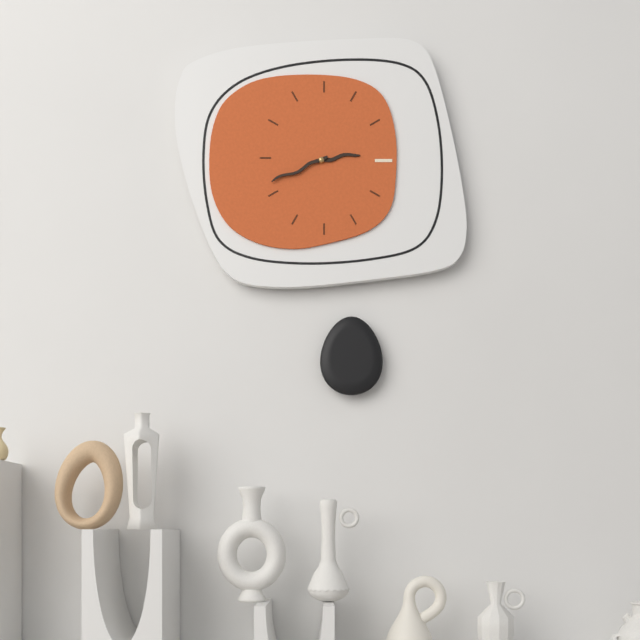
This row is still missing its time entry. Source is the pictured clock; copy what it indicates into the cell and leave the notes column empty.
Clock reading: 2:41
